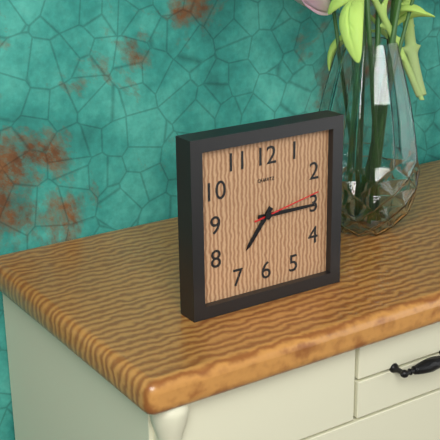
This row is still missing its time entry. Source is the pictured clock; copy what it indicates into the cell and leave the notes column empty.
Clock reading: 7:15:13
